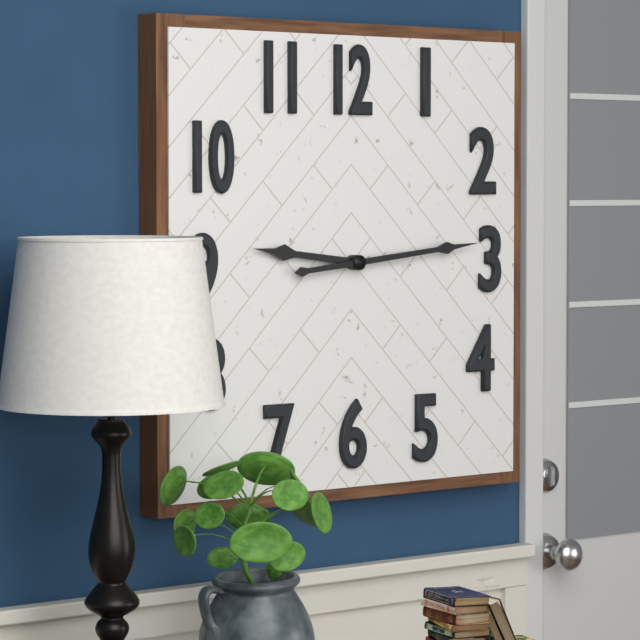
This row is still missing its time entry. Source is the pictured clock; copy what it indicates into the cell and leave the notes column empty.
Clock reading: 9:14
